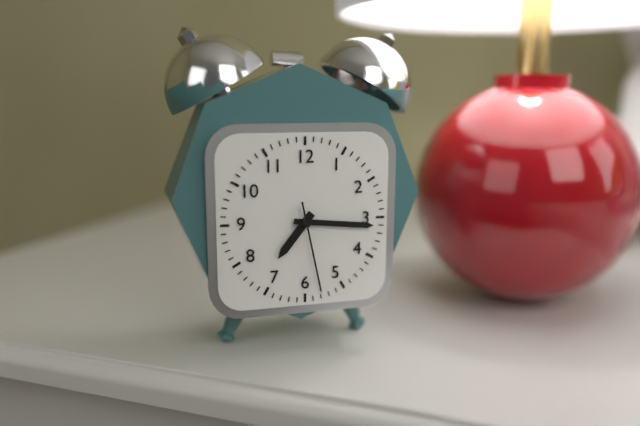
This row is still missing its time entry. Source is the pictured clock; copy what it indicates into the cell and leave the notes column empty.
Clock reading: 7:16:28
